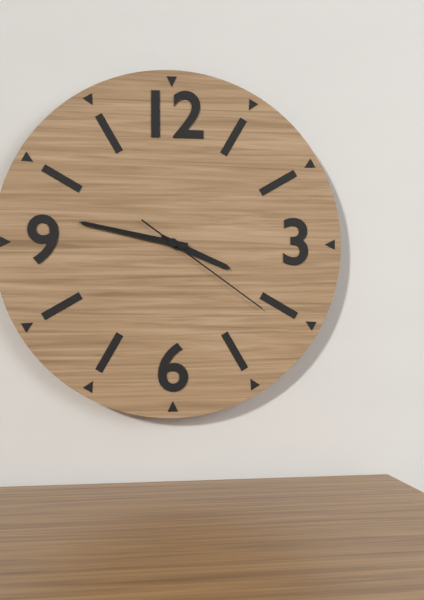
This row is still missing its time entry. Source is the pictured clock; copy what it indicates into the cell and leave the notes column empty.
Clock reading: 3:47:21
